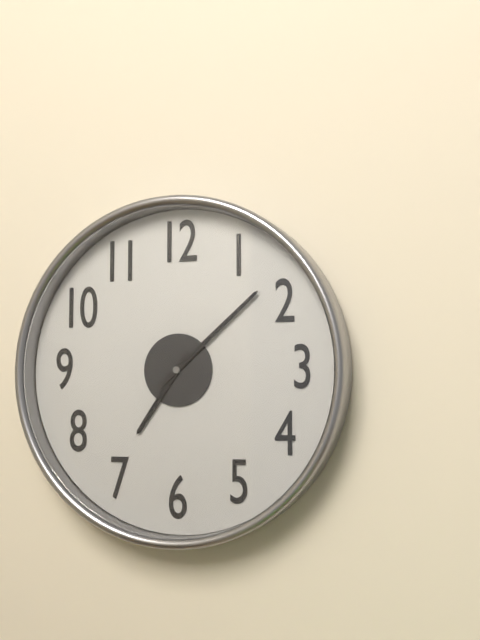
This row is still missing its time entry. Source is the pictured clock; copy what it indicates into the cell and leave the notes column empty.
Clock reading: 7:08
